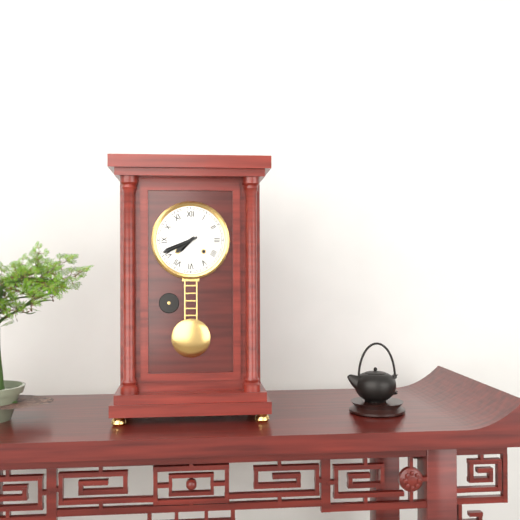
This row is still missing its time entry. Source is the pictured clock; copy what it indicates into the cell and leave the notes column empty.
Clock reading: 7:41
